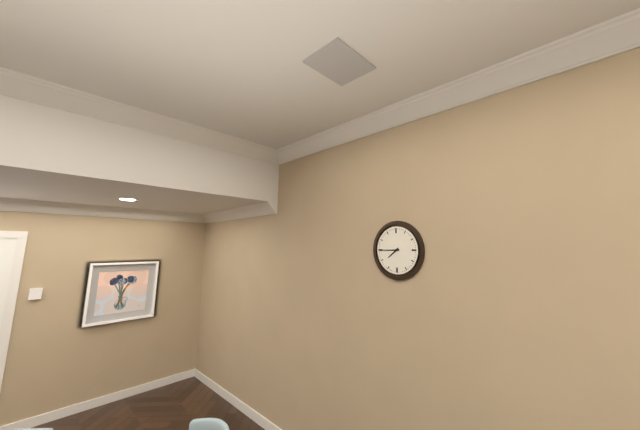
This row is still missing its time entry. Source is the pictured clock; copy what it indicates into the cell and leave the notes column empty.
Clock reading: 7:45
